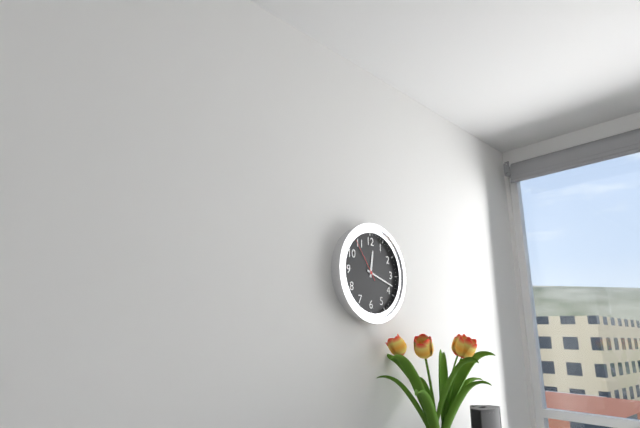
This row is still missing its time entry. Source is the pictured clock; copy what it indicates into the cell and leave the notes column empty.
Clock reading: 12:18
